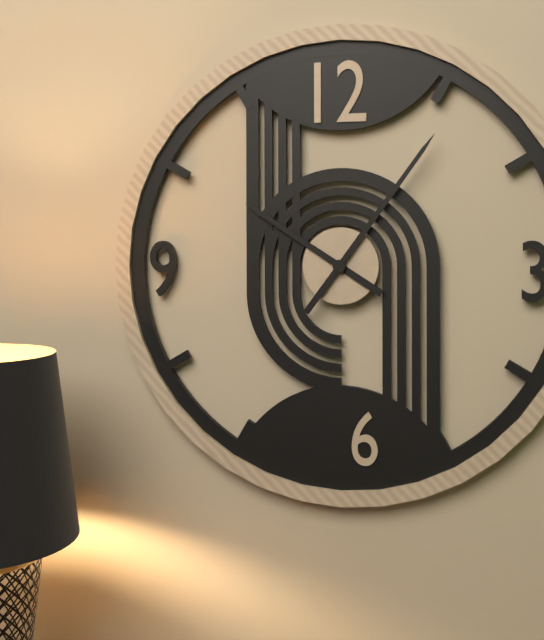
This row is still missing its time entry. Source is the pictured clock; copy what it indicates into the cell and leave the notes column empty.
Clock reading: 10:06
